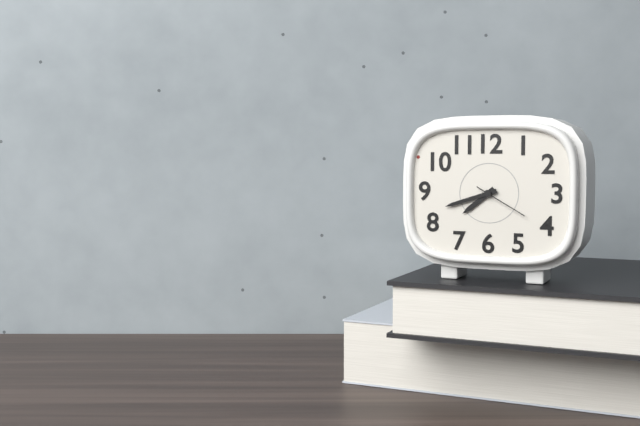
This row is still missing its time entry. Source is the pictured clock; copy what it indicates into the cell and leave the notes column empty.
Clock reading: 7:42:20
